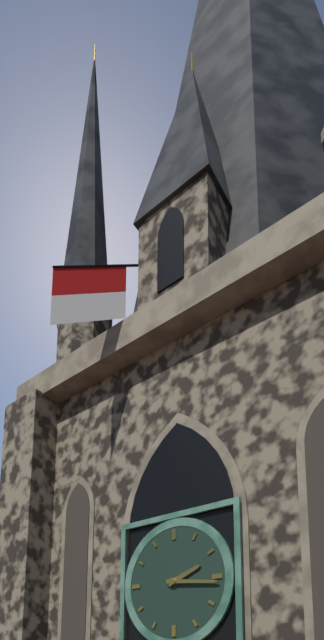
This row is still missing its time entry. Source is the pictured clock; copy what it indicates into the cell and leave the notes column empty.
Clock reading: 2:16
